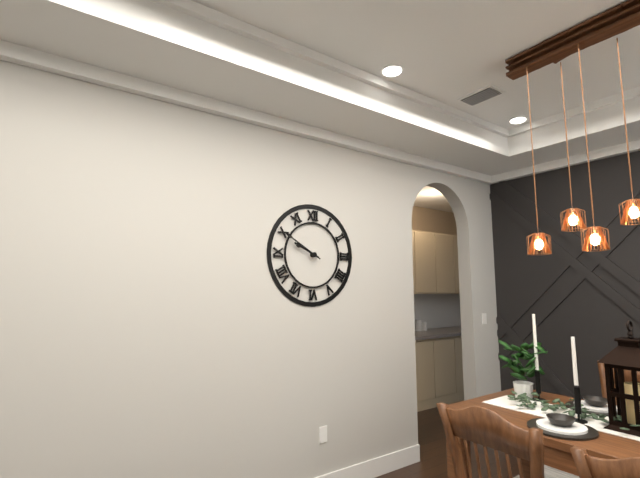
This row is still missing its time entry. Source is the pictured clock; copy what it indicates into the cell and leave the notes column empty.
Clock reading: 9:50
